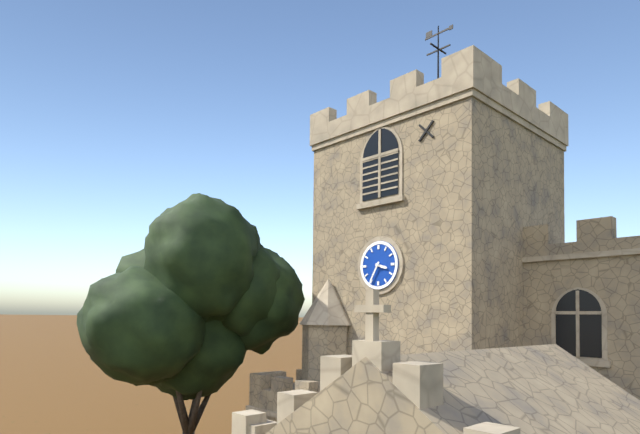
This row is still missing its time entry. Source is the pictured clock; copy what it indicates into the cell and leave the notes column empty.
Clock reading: 3:35
